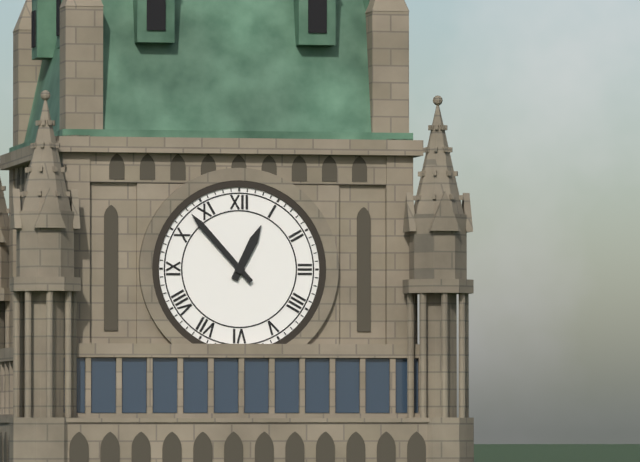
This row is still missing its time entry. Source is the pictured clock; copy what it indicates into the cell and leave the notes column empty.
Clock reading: 12:53
